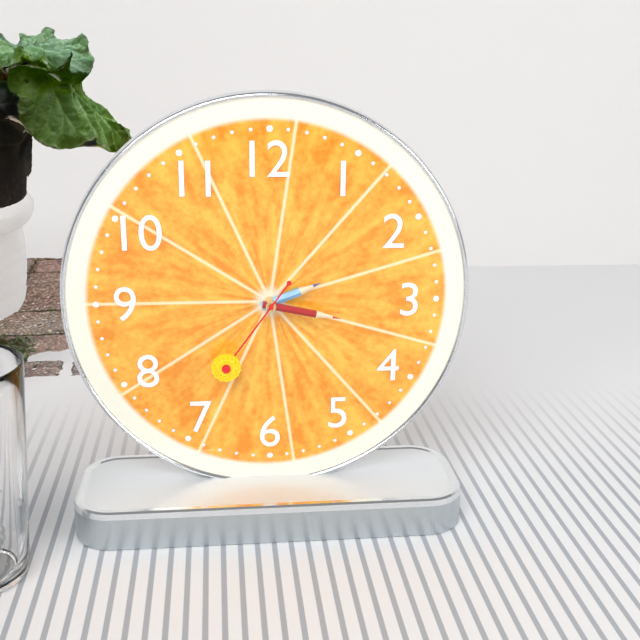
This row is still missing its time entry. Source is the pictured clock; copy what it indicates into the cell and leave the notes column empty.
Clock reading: 2:17:36
